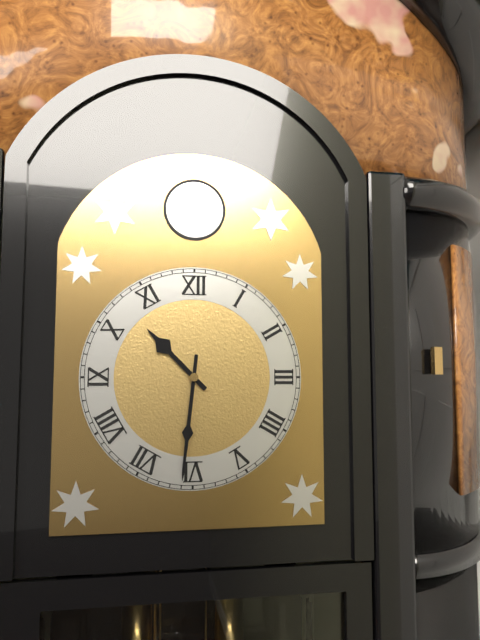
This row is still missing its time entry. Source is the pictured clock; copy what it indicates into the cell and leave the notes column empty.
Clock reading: 10:31
